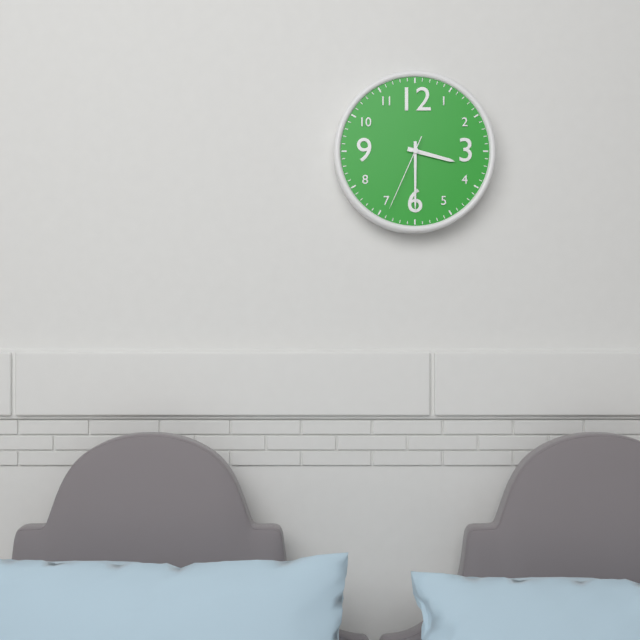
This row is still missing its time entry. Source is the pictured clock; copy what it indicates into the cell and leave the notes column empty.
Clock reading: 3:30:34
